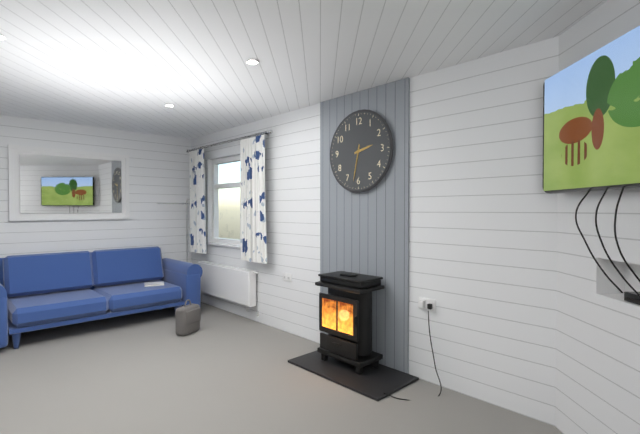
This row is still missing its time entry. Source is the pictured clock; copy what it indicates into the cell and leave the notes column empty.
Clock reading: 2:32
